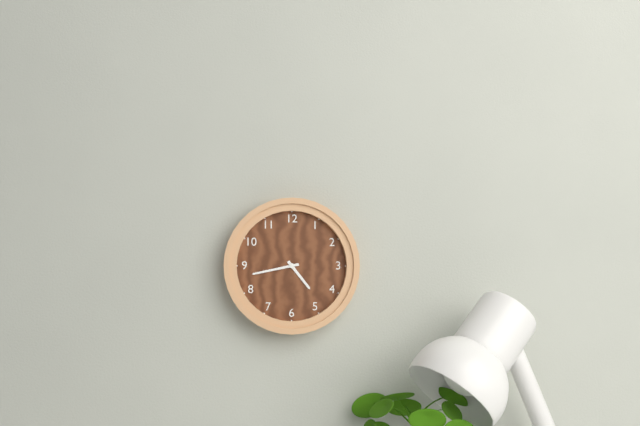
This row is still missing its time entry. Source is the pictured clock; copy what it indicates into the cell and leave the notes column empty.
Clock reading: 4:43
